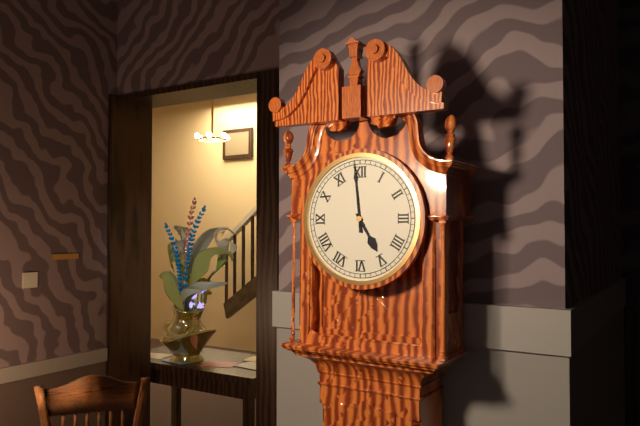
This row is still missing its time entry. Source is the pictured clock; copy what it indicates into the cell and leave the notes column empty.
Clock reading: 4:59
